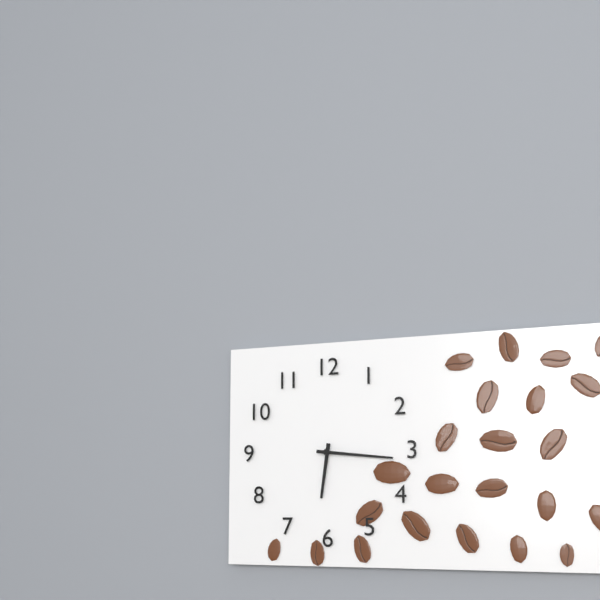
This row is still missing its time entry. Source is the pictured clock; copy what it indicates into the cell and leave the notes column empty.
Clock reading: 6:16
